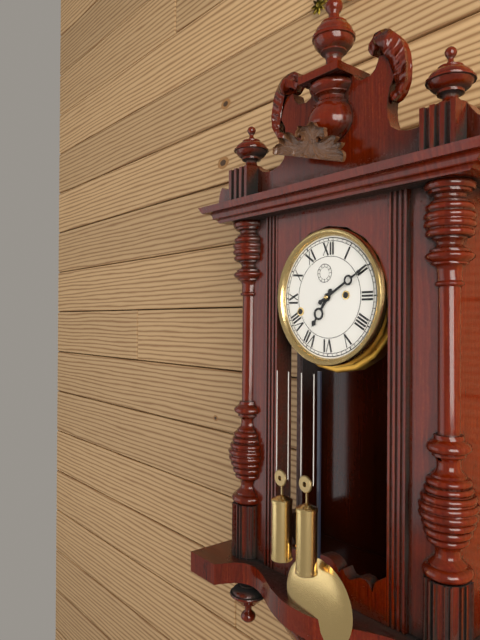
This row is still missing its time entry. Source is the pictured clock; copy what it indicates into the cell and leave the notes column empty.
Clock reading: 7:10
